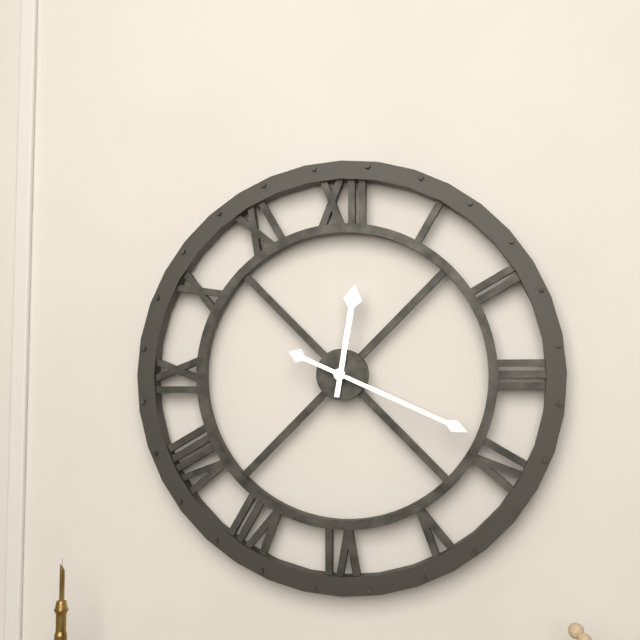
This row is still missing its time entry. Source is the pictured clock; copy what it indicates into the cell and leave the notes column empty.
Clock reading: 12:19
